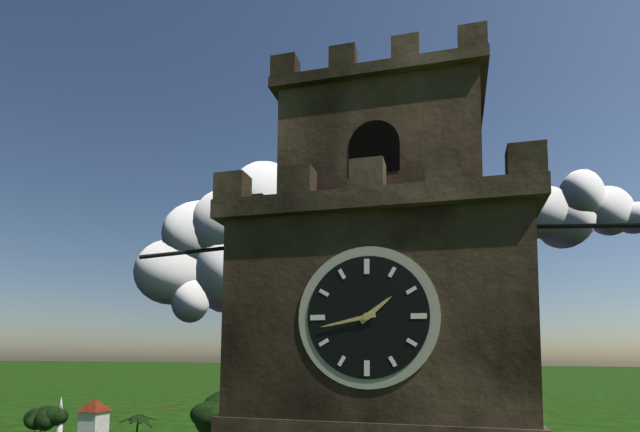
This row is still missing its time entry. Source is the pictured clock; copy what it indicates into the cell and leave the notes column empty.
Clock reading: 1:43
